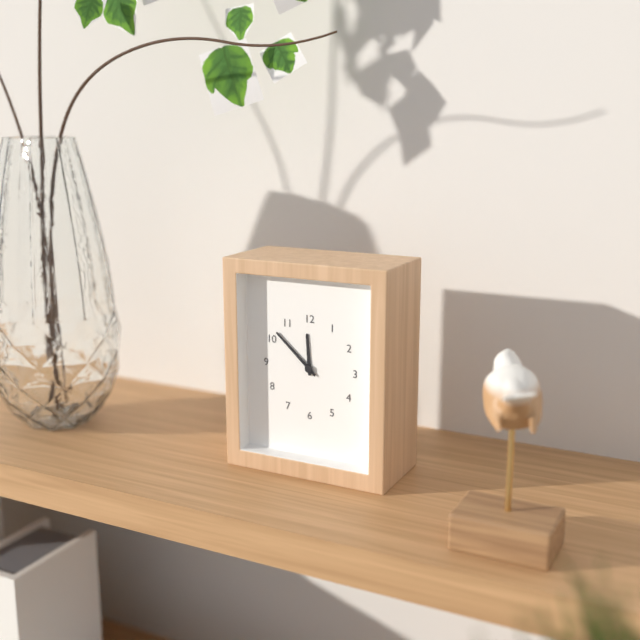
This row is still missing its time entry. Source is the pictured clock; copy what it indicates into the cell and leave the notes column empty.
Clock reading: 11:52
